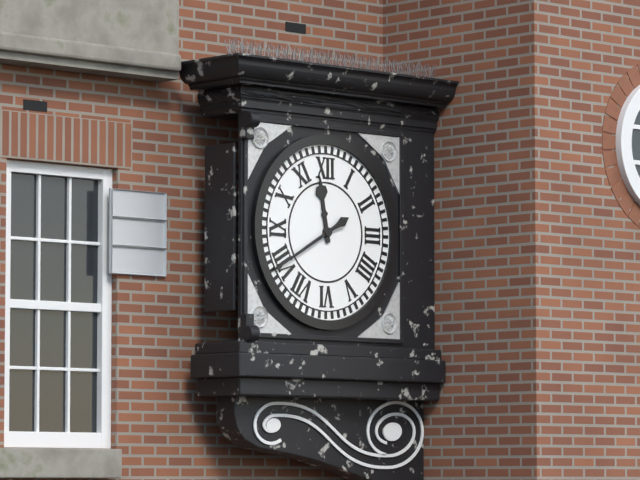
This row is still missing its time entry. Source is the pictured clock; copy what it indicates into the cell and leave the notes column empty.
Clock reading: 11:40
